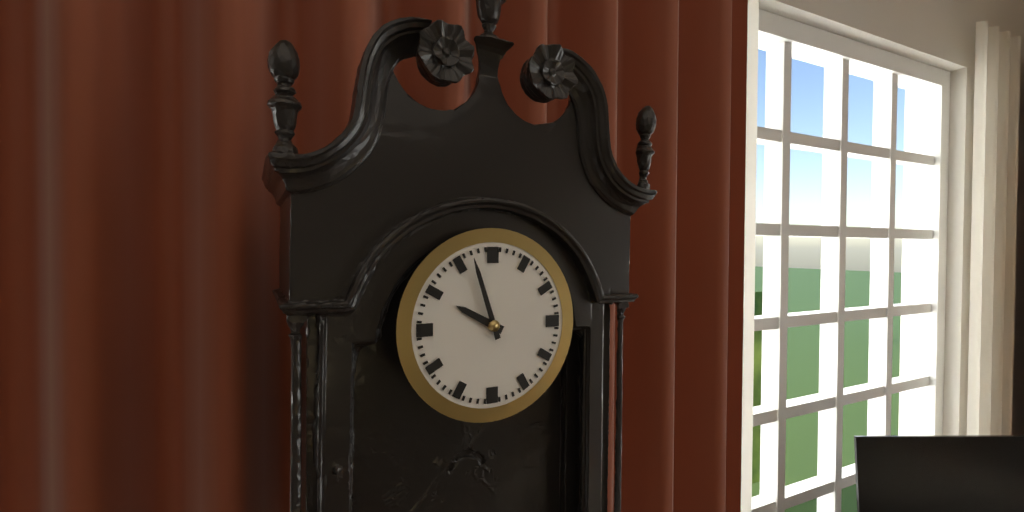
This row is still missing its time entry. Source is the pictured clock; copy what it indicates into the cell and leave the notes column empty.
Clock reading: 9:57
